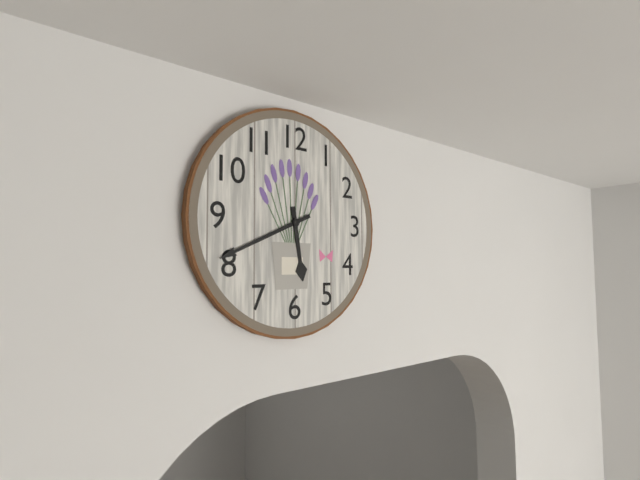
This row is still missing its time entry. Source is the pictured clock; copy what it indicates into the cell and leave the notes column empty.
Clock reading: 5:41
